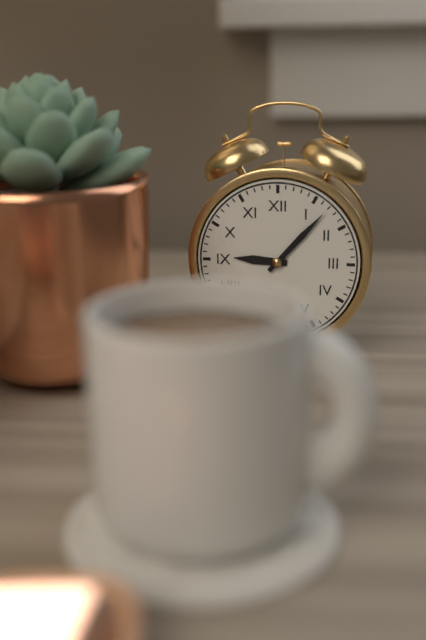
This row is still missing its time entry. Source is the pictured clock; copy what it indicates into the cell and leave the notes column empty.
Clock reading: 9:07
